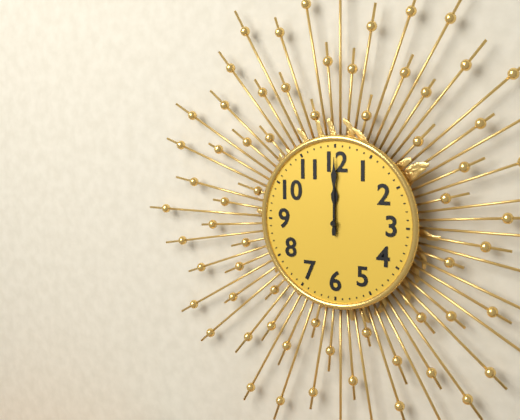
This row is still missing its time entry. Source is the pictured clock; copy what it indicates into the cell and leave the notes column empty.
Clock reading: 12:00
